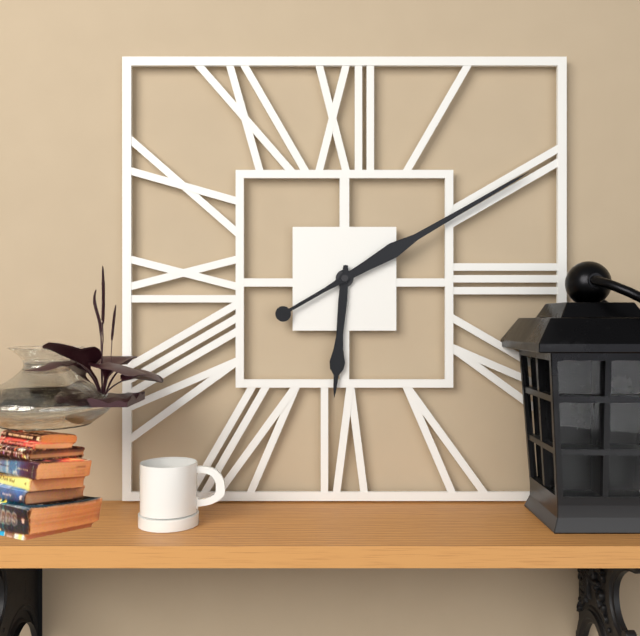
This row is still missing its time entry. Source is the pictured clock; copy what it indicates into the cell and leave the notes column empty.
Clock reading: 6:10
